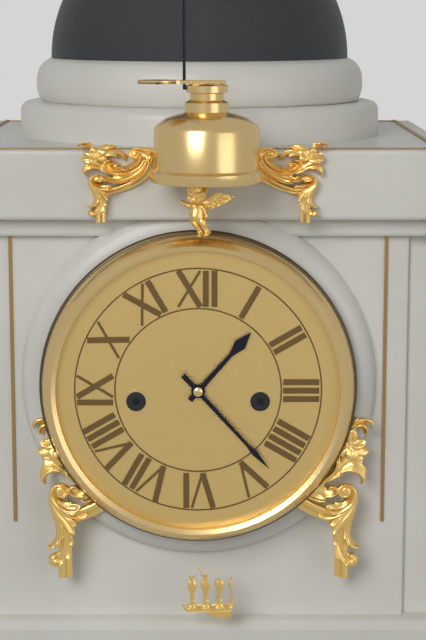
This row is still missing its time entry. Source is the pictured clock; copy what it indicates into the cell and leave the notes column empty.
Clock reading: 1:23
